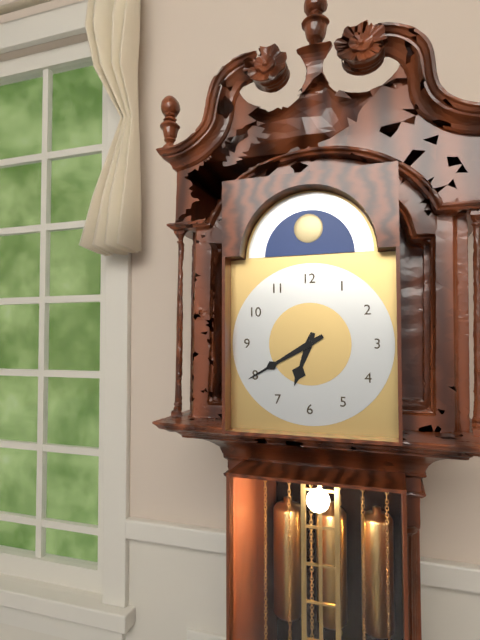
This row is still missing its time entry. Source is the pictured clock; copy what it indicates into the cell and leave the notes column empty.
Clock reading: 6:40
